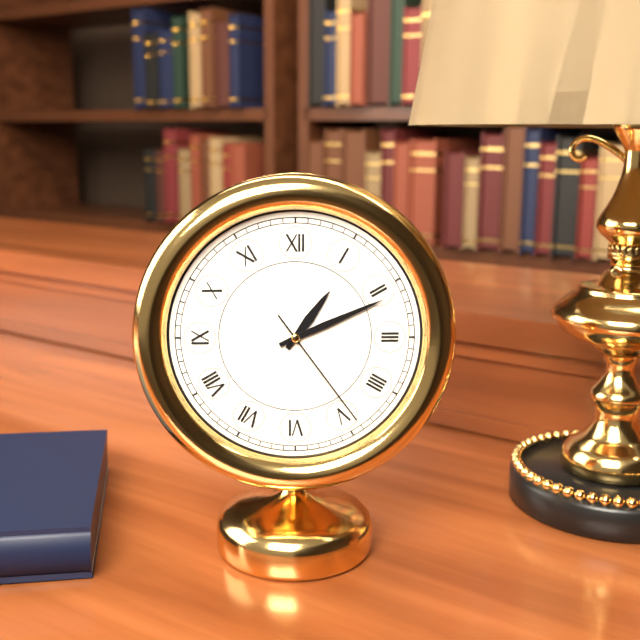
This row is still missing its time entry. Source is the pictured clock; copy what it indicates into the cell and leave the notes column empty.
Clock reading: 1:11:24
